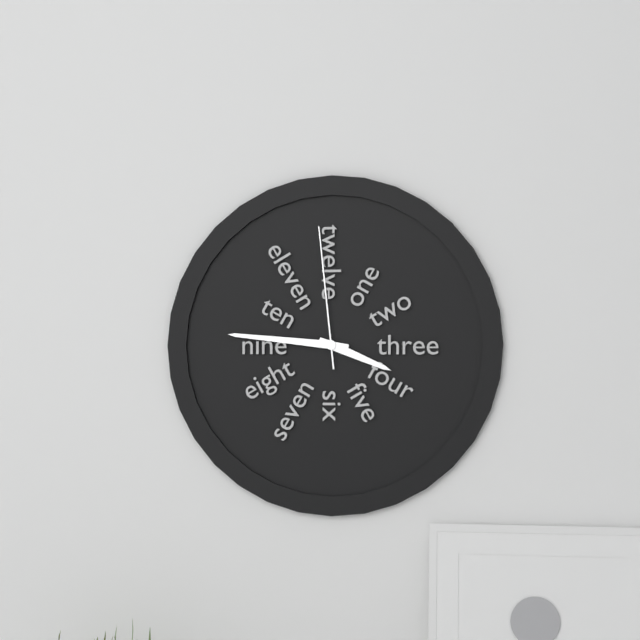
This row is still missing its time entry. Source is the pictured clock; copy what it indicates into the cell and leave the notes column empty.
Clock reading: 3:46:59
